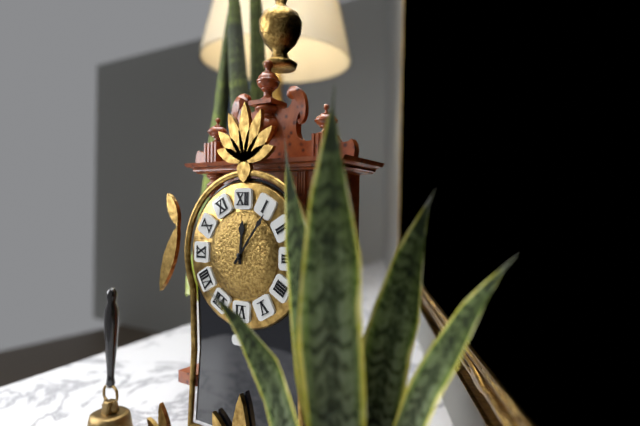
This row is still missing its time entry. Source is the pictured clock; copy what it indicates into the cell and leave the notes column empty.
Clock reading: 12:06
